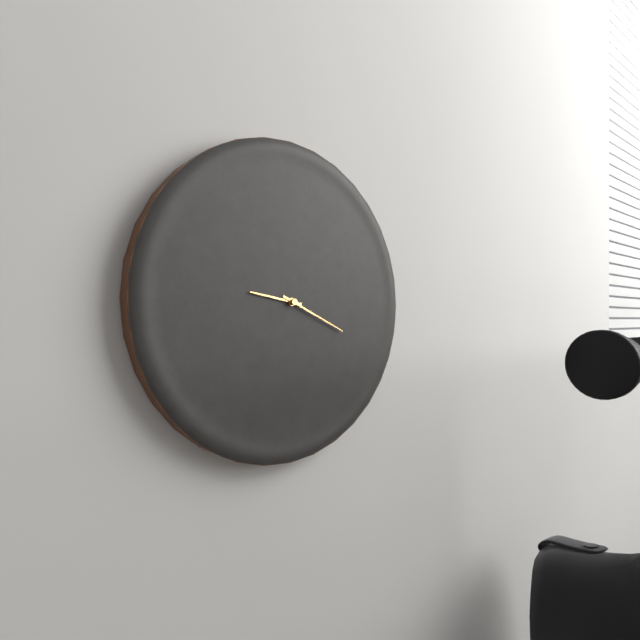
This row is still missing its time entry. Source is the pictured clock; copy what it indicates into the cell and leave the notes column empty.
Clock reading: 9:19
